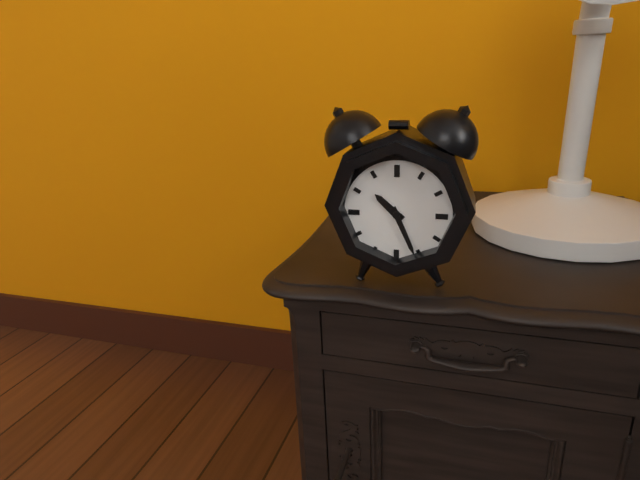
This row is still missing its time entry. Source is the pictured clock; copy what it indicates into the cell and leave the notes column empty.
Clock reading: 10:26
